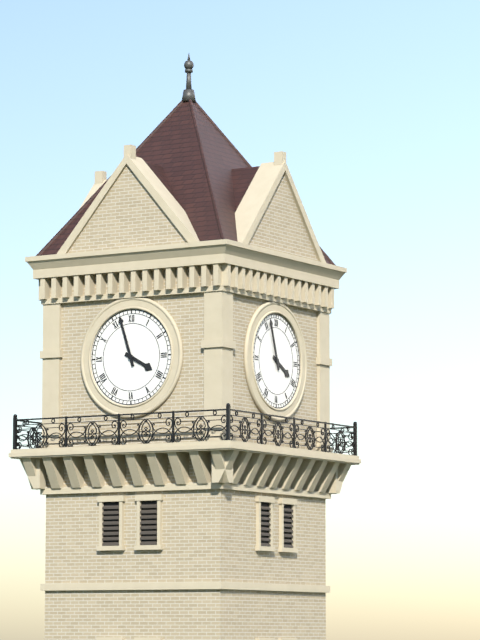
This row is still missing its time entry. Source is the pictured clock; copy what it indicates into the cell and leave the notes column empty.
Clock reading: 3:57
